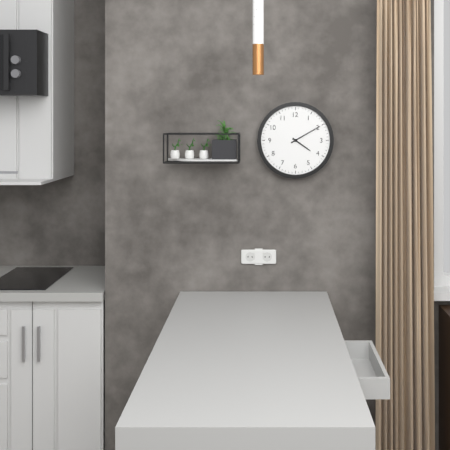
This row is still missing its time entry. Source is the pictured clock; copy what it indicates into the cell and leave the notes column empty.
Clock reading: 4:10
